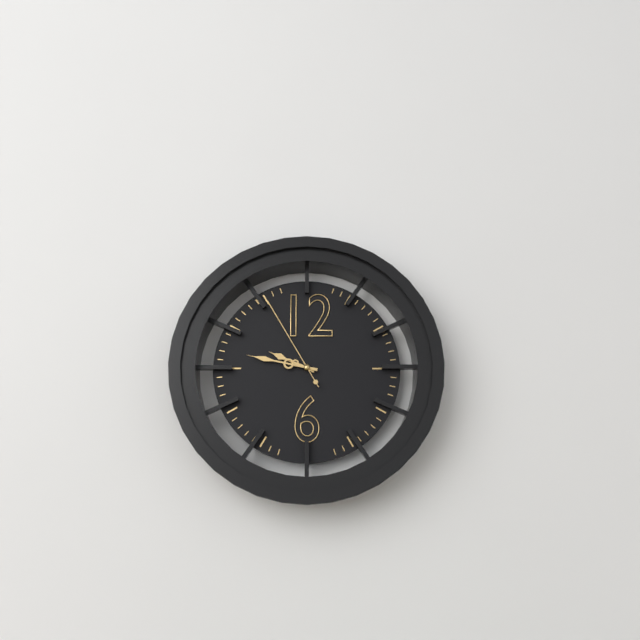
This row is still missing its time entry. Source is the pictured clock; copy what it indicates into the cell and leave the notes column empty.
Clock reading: 9:47:55
